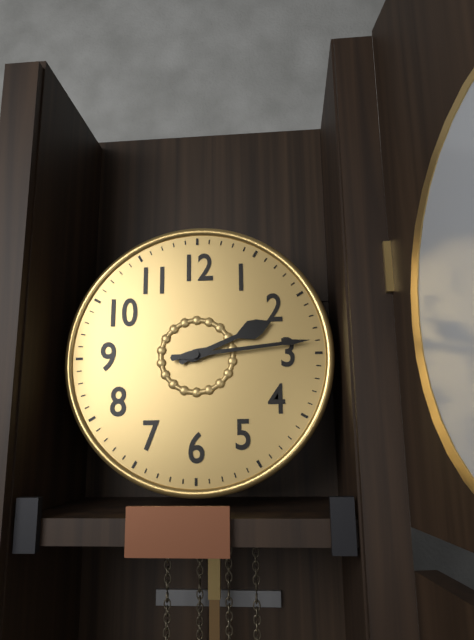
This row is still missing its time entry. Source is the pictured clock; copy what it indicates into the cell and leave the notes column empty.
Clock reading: 2:14
